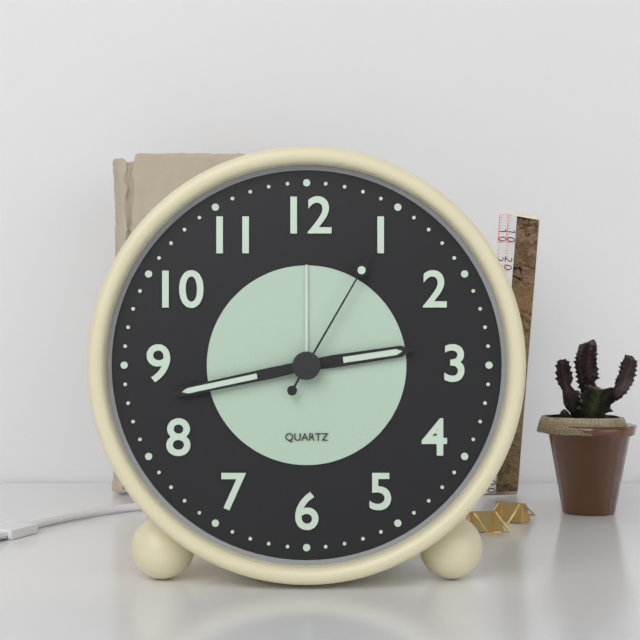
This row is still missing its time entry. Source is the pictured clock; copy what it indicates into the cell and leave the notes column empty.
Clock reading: 2:43:05
